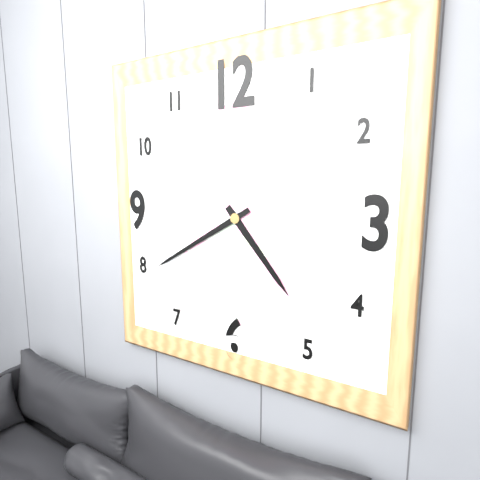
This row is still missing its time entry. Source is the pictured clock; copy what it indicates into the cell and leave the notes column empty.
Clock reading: 4:40
